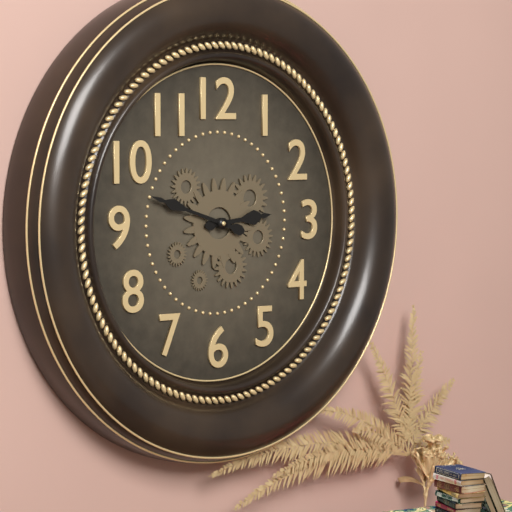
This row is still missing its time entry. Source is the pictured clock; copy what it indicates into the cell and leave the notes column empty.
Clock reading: 2:48
